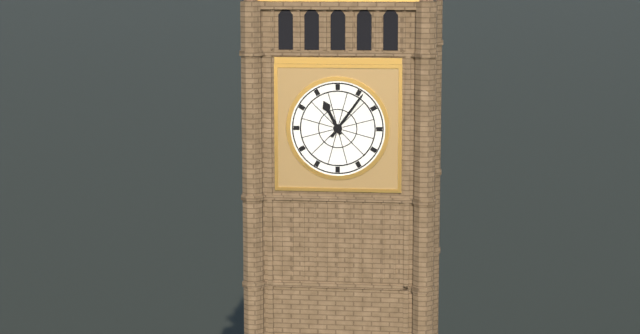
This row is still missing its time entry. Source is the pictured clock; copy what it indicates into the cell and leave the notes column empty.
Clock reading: 11:06
